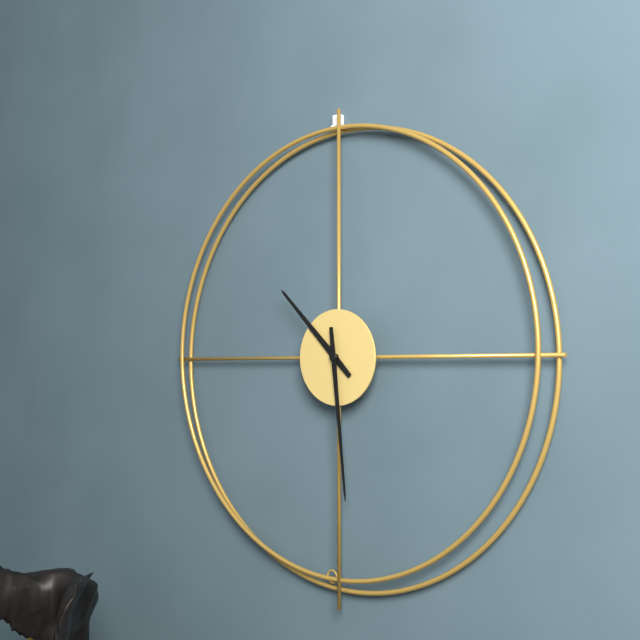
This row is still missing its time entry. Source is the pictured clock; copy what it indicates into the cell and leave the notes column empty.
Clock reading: 10:29
